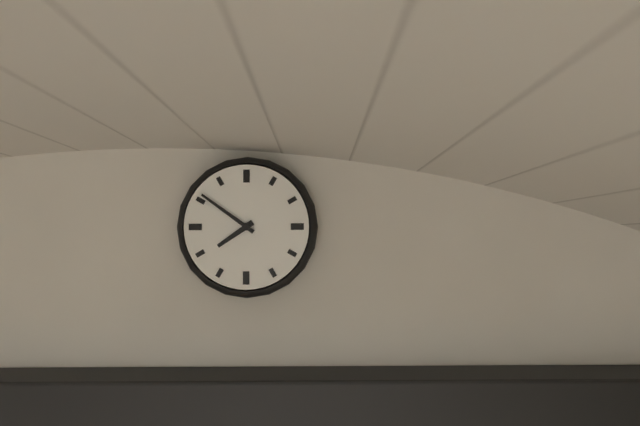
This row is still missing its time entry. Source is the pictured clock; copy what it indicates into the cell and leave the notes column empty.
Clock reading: 7:51
